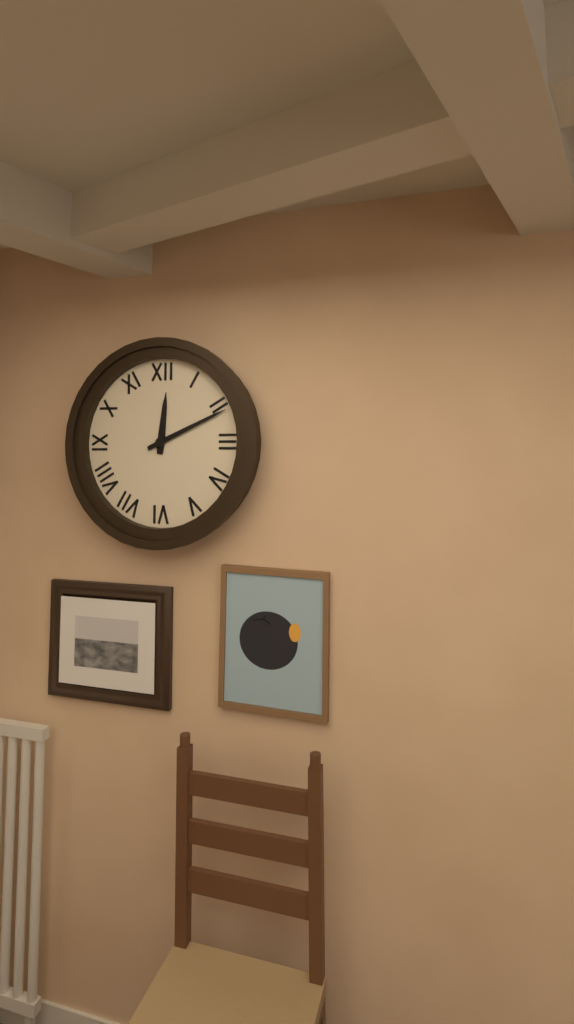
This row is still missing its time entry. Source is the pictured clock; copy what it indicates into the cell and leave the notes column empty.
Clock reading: 12:11
